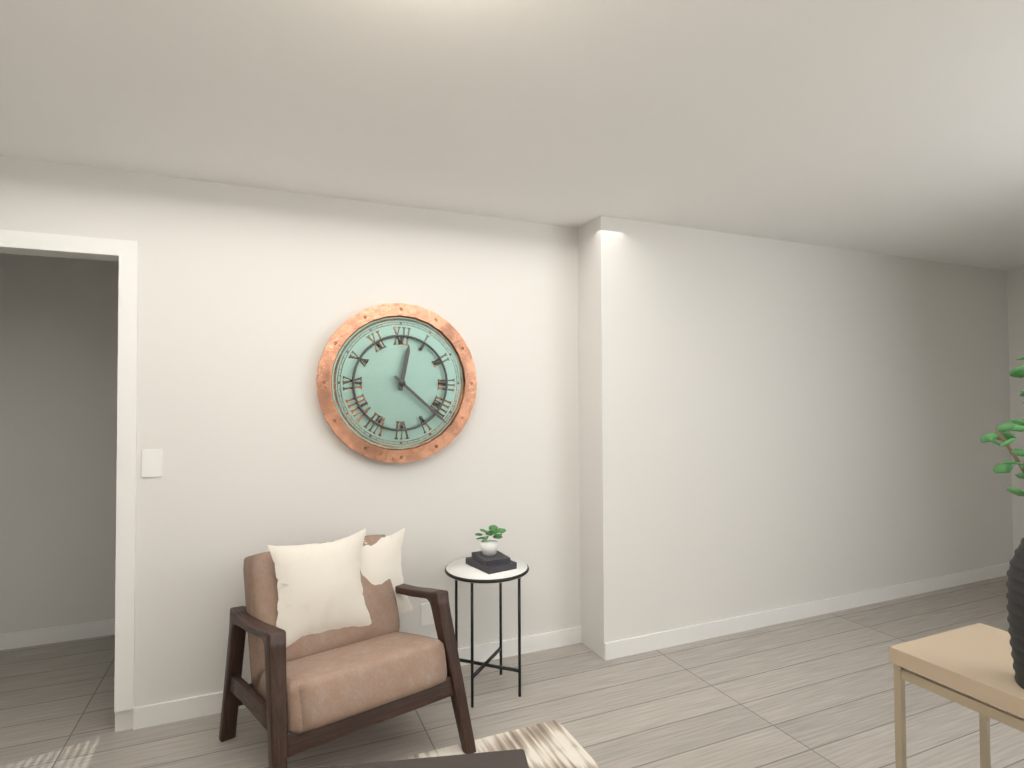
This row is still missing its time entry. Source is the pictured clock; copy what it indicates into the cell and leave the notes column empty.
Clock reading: 12:22
